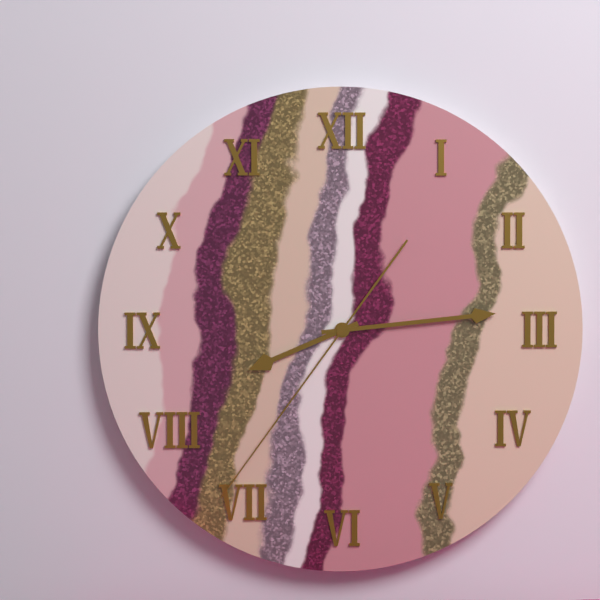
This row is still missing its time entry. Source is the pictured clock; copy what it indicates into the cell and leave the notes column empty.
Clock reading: 8:14:36
